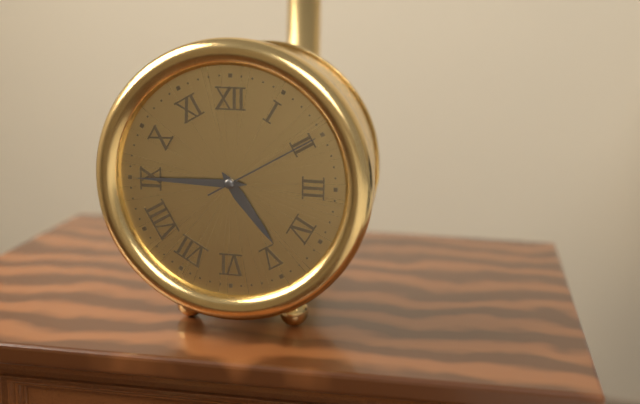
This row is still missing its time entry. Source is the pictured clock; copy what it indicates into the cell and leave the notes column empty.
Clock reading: 4:45:10
